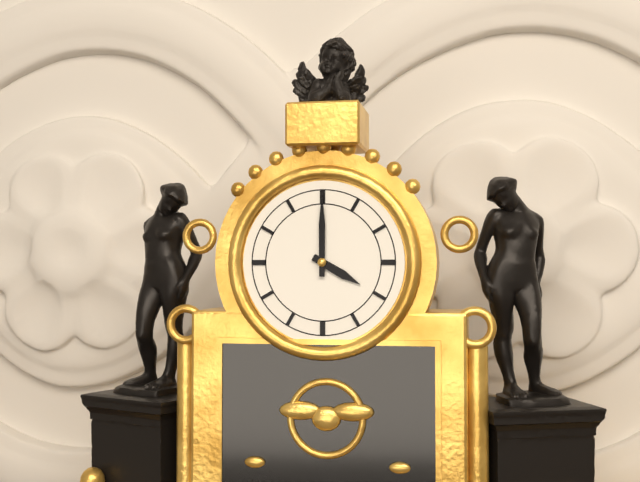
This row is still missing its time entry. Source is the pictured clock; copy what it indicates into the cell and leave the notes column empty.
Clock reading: 4:00
